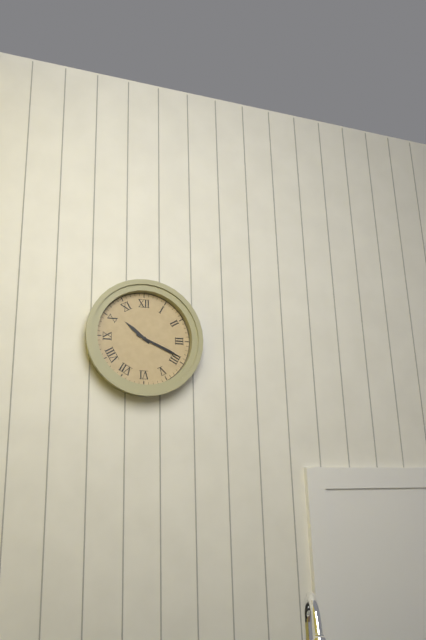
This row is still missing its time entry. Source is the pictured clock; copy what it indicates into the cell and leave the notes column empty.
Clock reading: 10:19
